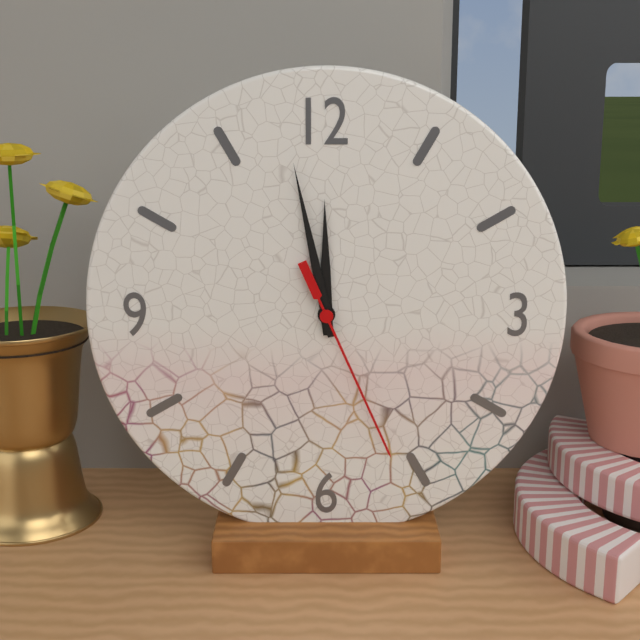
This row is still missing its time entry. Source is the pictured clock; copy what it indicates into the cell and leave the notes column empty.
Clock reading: 11:58:26
